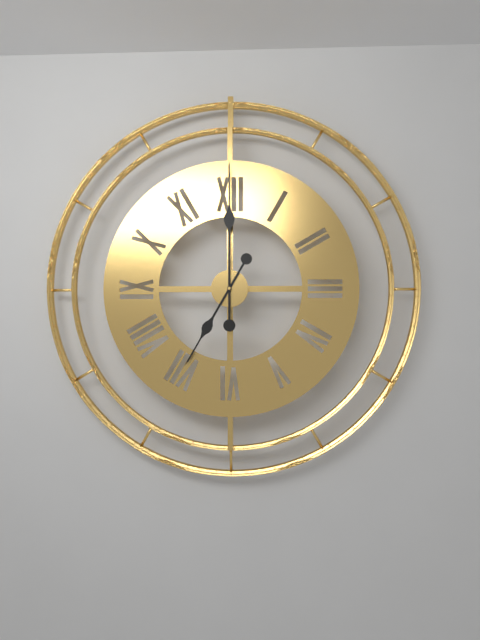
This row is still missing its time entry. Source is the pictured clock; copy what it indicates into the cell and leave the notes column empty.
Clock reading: 7:00
